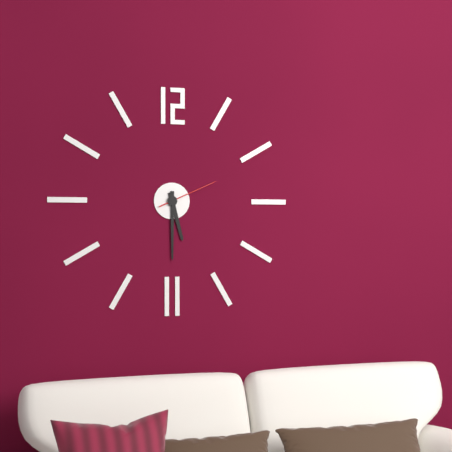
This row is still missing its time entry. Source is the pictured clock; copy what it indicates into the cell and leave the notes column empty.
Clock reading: 5:30:11
